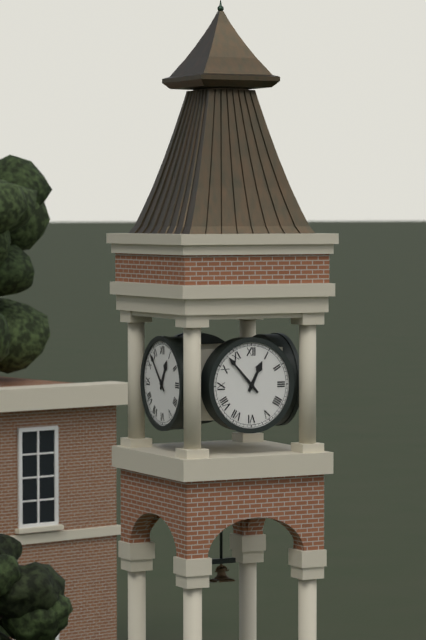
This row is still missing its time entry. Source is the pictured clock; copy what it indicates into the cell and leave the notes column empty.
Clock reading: 12:53
